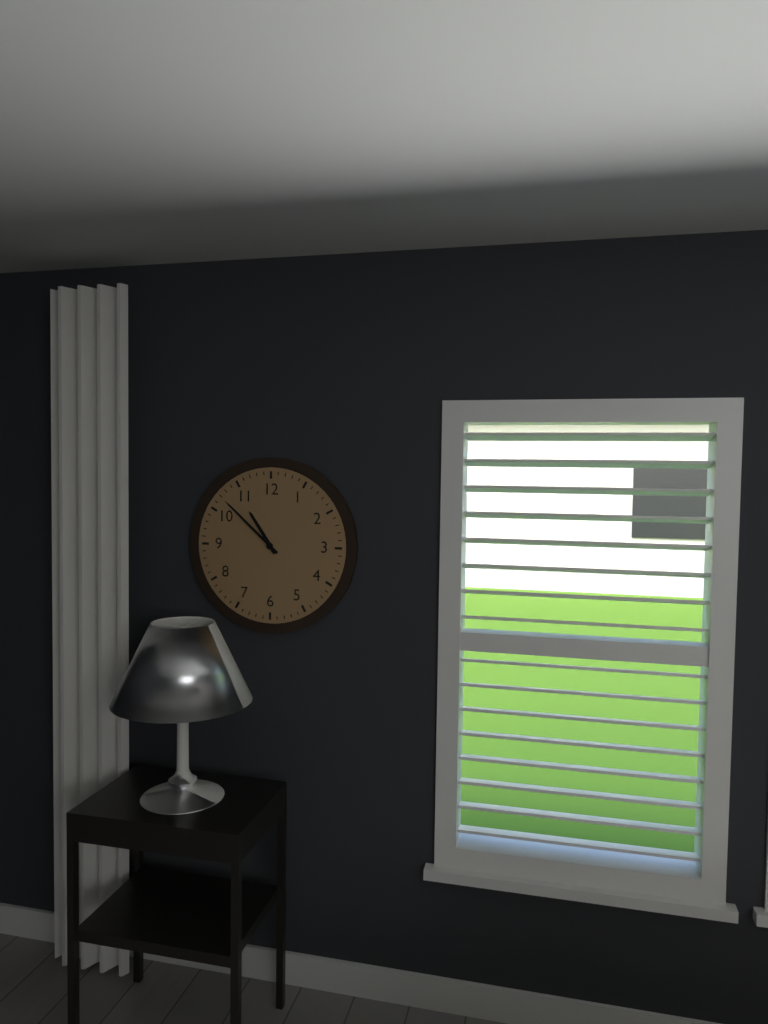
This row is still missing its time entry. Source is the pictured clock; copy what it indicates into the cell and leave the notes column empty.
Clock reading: 10:52
